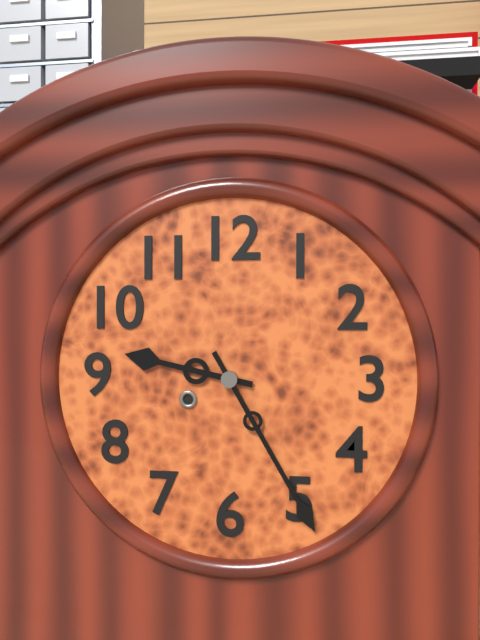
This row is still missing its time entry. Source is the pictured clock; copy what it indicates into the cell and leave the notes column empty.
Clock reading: 9:25
